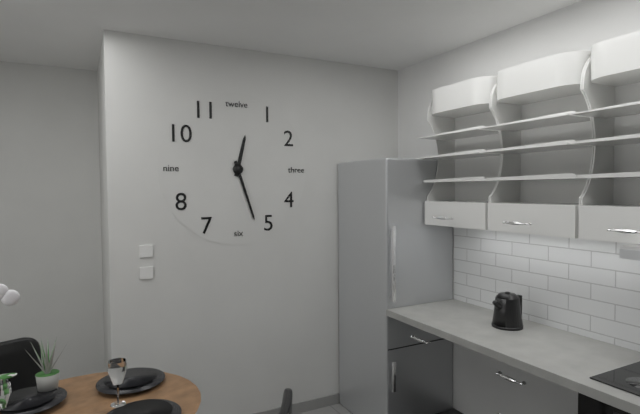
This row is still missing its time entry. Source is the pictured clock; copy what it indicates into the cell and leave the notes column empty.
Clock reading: 12:27
